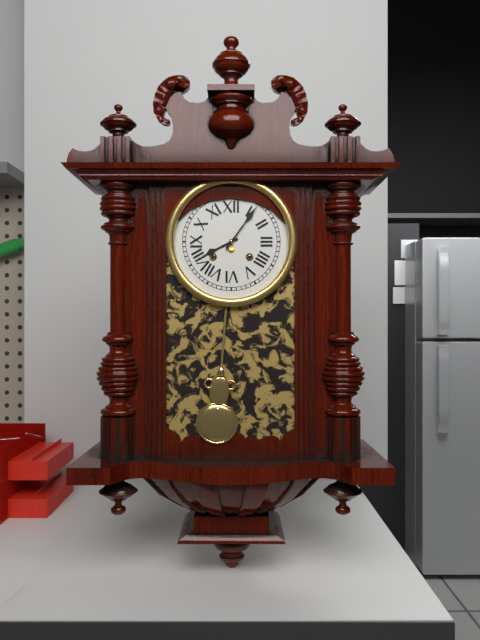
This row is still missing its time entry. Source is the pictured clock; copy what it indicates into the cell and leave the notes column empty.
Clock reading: 8:06
